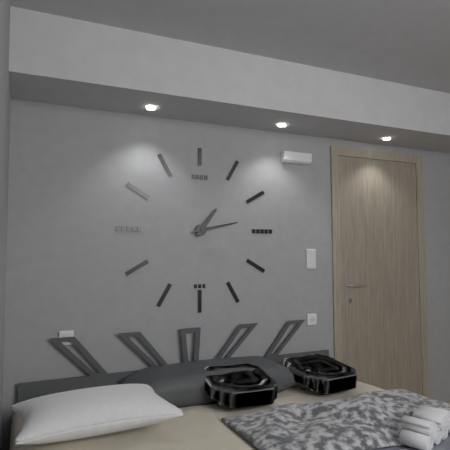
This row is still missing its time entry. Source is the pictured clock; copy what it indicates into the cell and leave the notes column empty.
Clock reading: 1:13
